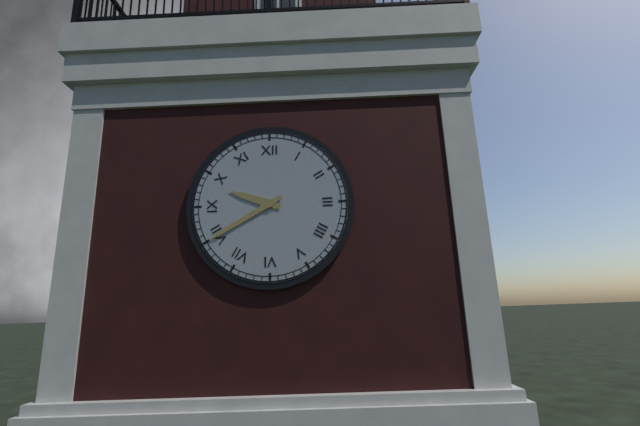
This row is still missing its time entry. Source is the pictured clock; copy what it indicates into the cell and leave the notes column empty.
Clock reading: 9:40
